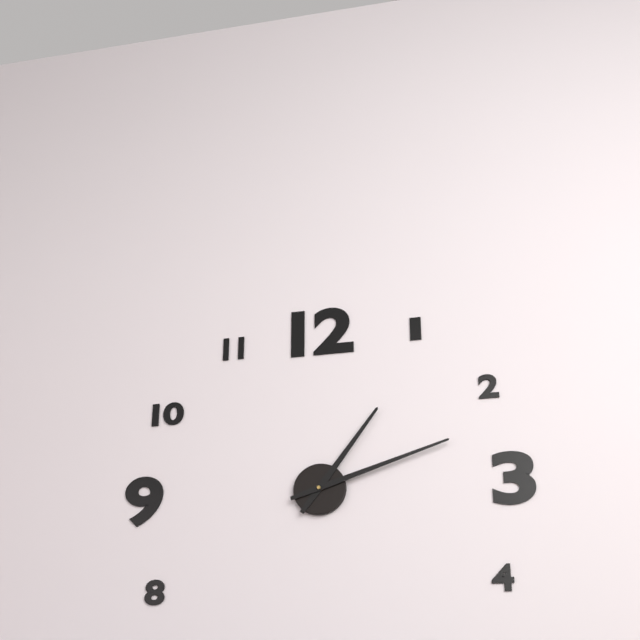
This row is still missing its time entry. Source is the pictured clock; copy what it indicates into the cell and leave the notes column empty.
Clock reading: 1:12
